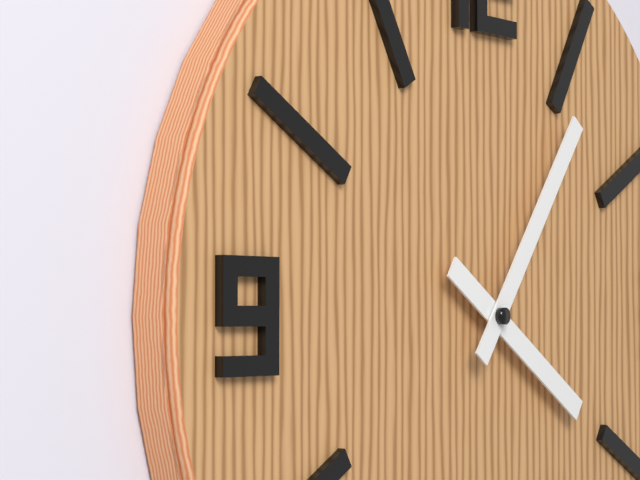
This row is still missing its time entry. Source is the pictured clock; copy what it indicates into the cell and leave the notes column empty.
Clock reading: 4:06
